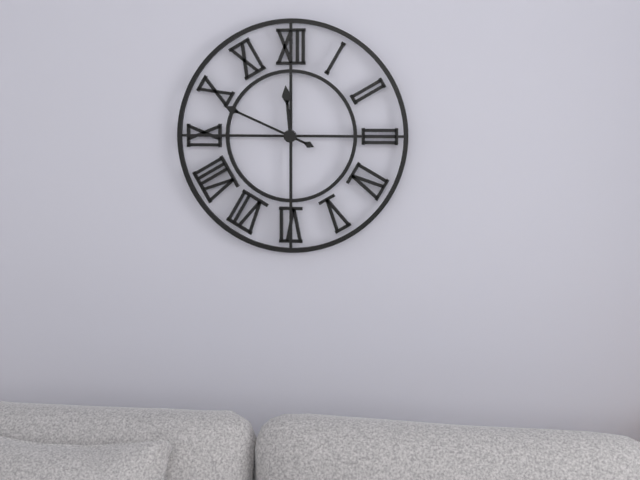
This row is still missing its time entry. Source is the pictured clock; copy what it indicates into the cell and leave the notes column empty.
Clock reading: 11:49
